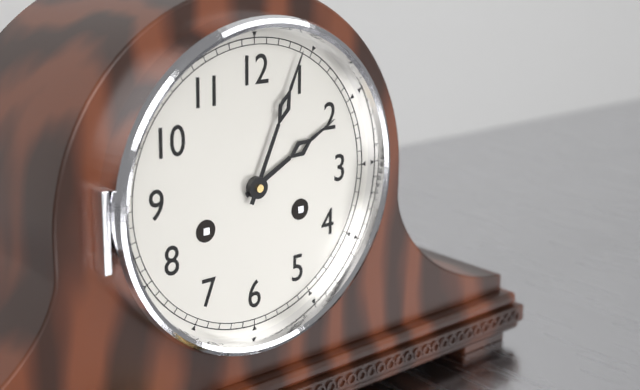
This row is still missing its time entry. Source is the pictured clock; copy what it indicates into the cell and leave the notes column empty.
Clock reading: 2:04
